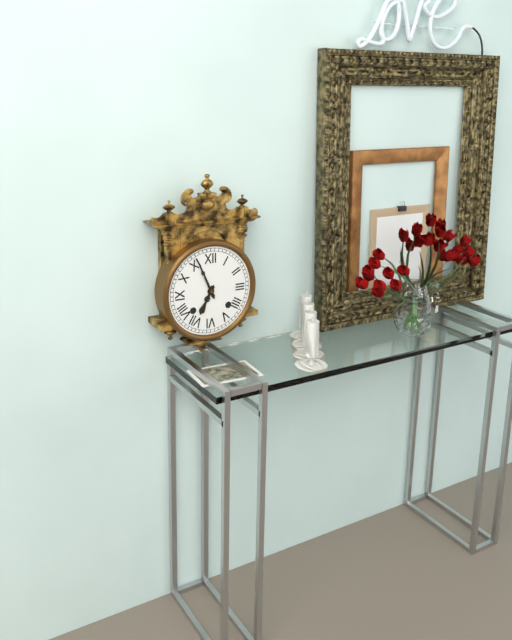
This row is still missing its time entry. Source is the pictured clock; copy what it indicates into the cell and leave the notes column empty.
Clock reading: 6:56
